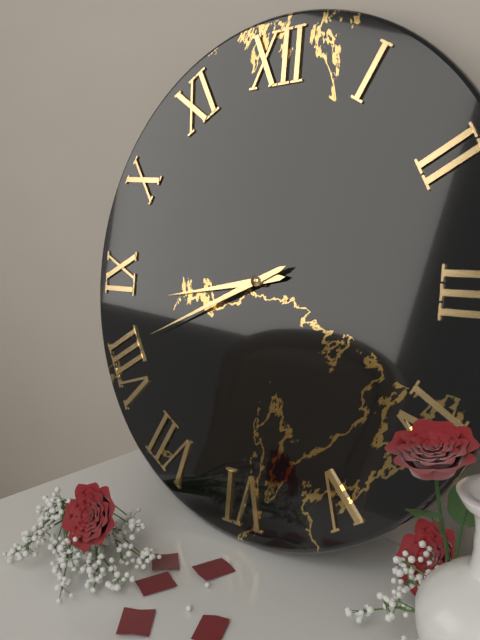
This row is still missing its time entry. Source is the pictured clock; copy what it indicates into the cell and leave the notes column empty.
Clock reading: 8:41
